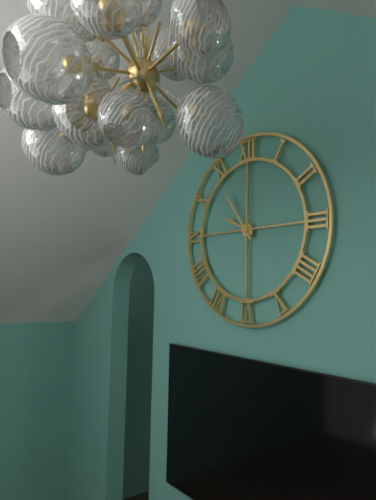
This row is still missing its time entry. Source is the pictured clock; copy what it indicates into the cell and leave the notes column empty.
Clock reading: 9:54
